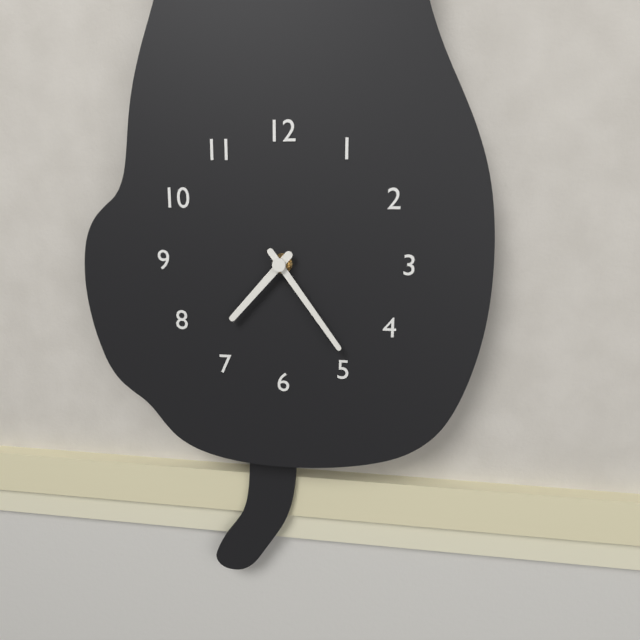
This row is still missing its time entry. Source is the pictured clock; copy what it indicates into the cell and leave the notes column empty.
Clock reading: 7:24
